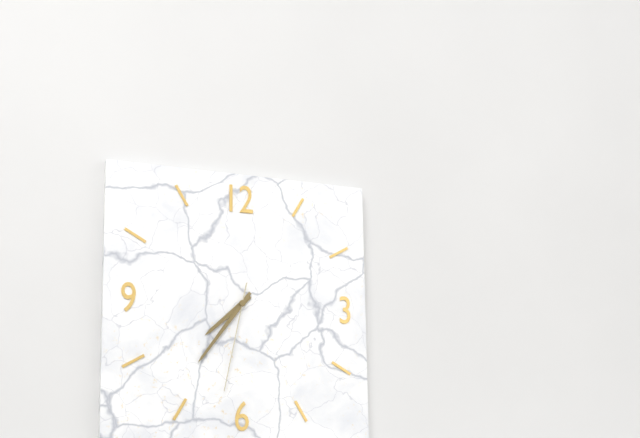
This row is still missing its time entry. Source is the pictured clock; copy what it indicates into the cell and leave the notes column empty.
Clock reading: 7:36:32
